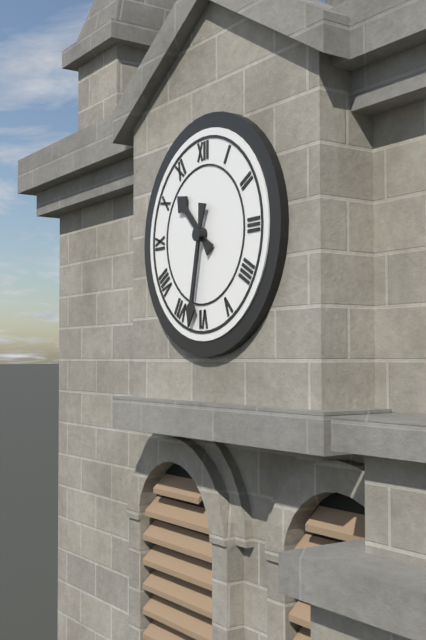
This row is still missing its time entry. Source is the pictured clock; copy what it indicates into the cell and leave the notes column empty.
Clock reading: 10:32
